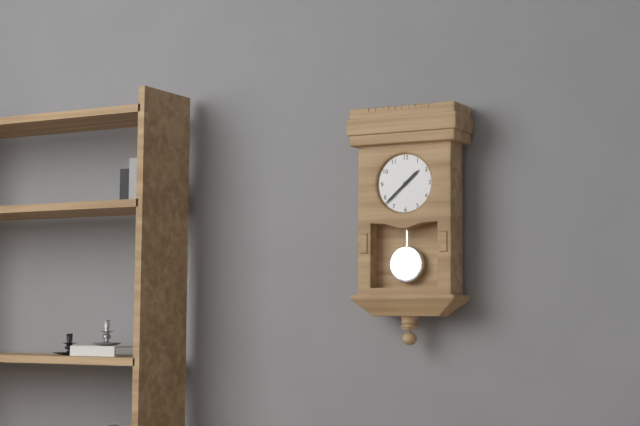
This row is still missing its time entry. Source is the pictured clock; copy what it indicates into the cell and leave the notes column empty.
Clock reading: 1:38
